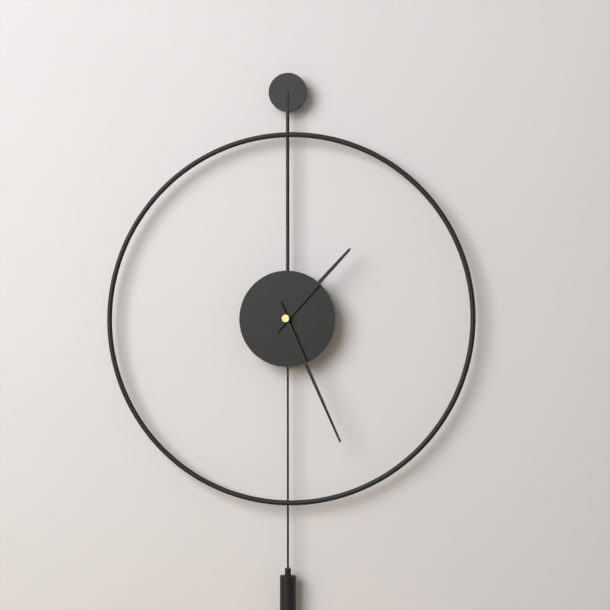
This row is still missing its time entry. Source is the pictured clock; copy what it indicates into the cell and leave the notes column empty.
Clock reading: 1:26
